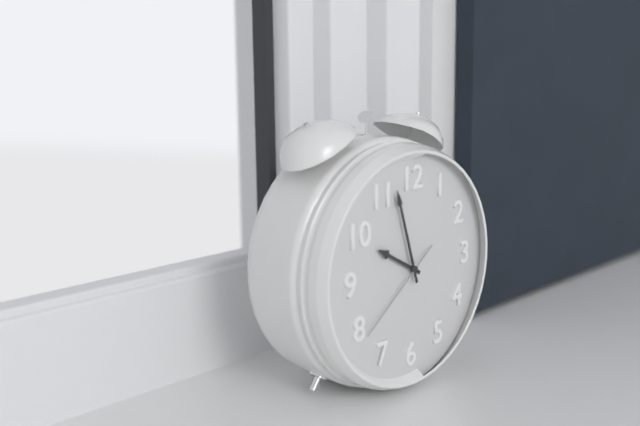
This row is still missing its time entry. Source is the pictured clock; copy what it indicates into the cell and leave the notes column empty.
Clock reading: 9:57:39
